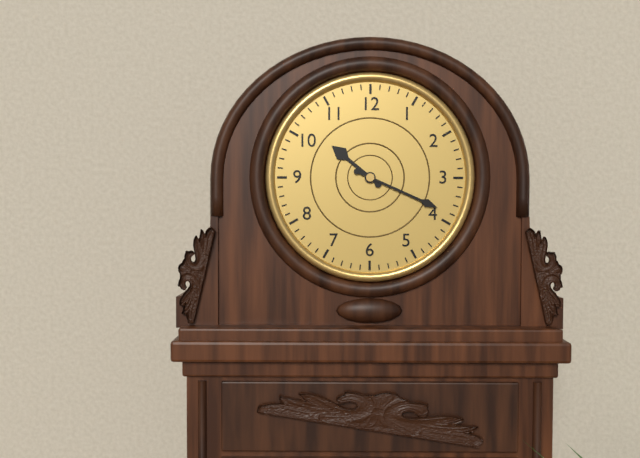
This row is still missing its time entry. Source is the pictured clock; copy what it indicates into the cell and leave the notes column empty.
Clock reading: 10:19
